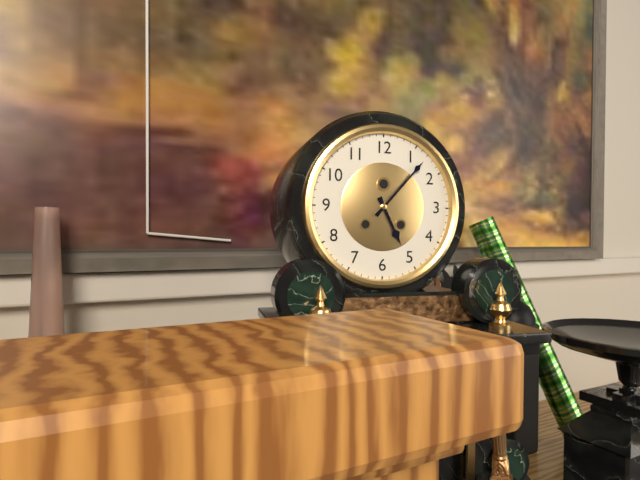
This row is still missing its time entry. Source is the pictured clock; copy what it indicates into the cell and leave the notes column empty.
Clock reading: 5:07
